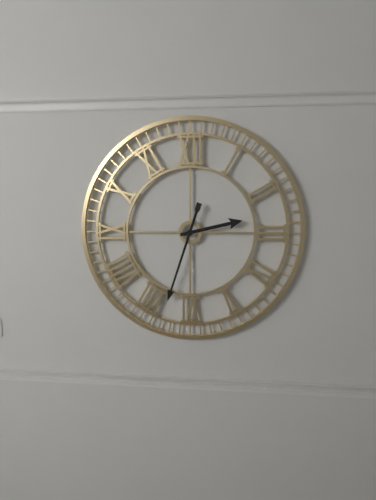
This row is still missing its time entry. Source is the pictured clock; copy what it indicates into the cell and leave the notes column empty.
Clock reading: 2:33
